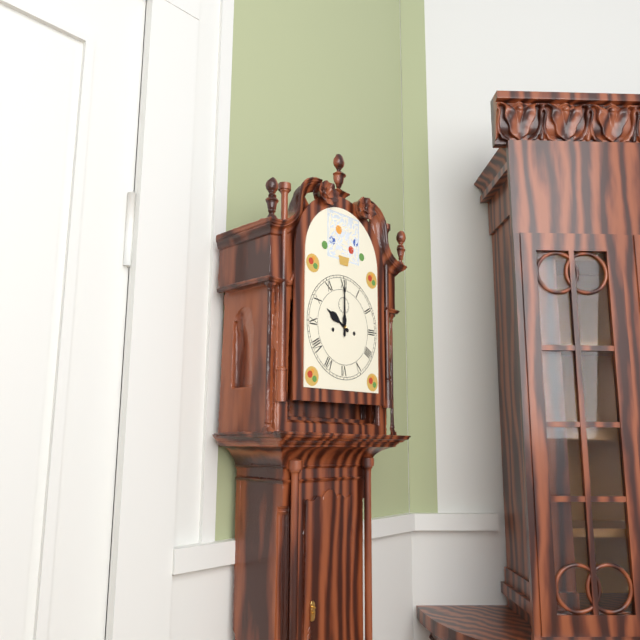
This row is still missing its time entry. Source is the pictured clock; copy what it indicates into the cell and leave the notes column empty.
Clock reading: 10:00
